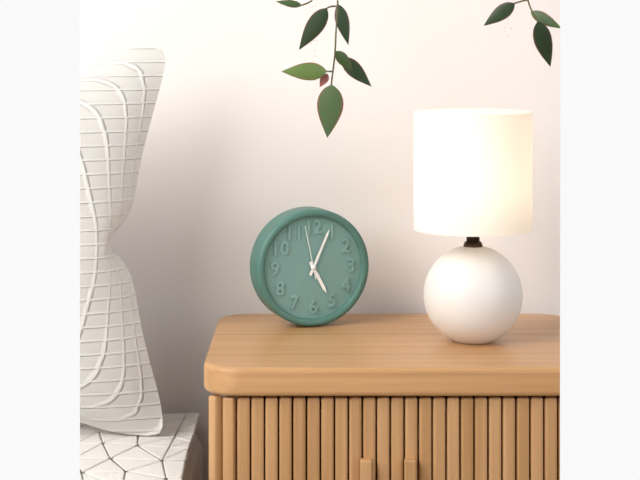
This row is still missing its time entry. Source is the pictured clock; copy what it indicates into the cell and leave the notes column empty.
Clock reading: 5:04:58
